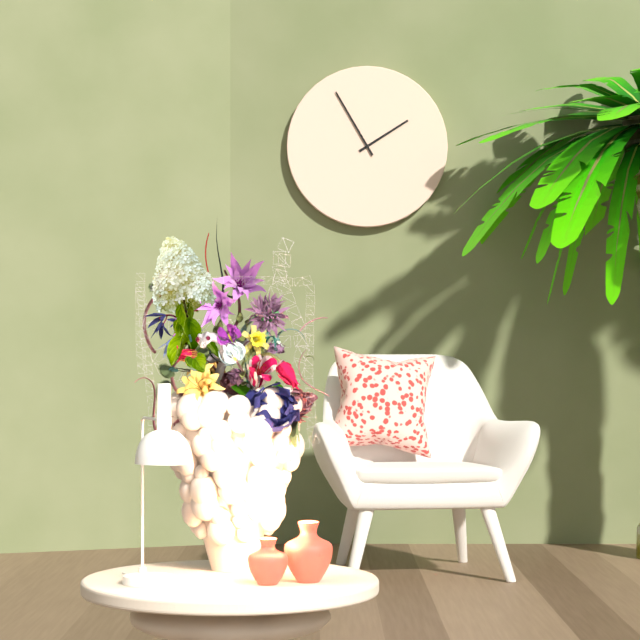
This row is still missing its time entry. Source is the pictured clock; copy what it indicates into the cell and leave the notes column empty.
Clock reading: 1:55
